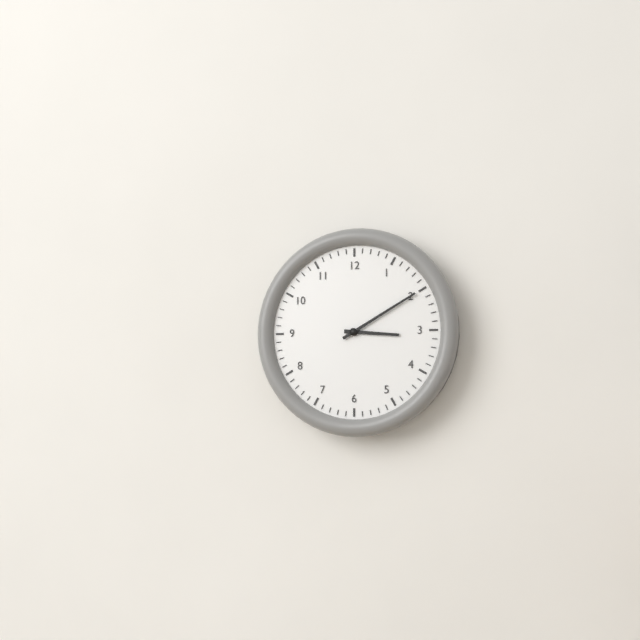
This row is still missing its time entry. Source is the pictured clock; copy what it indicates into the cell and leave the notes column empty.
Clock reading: 3:10
